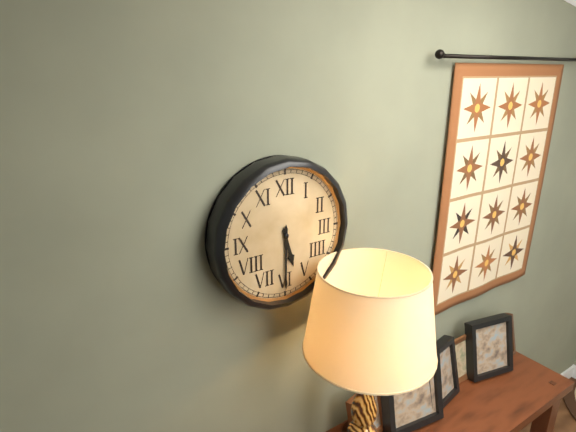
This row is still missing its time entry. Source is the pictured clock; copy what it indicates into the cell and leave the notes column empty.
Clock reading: 5:30
